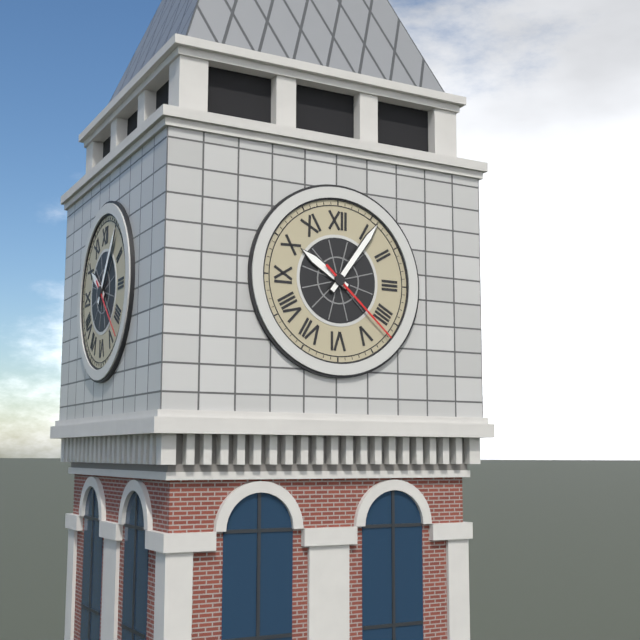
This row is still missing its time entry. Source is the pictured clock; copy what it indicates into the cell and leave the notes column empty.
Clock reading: 10:06:22
